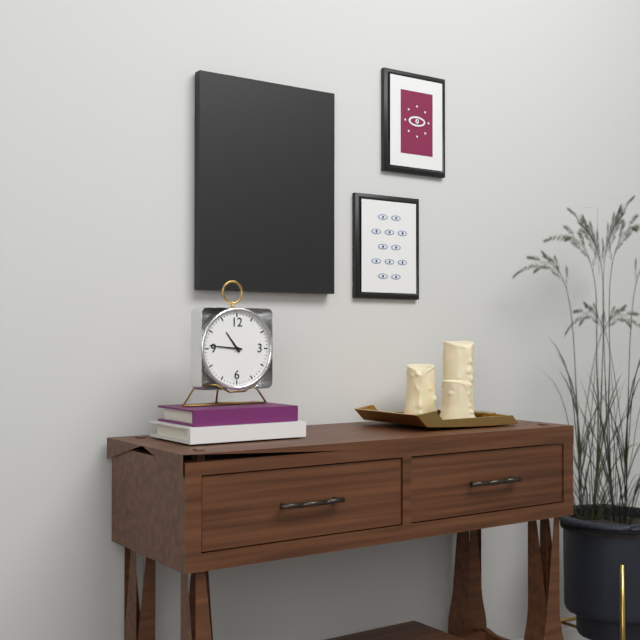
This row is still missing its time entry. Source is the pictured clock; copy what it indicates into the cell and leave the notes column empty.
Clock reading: 10:46
